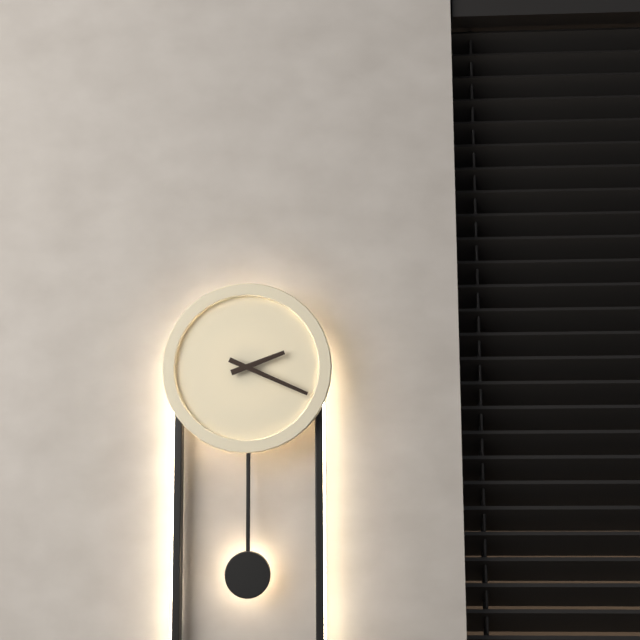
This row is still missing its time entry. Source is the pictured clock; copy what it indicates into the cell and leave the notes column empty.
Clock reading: 2:19
